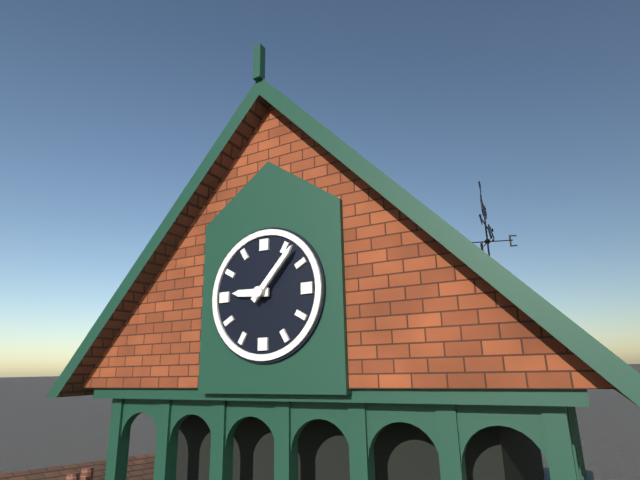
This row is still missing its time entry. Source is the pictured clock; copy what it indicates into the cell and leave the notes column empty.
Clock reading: 9:07
